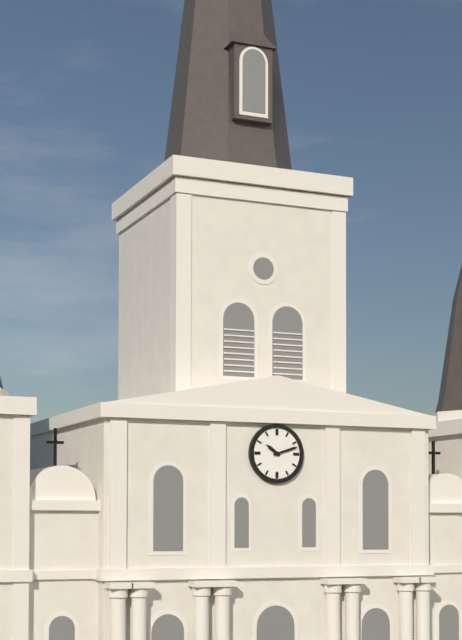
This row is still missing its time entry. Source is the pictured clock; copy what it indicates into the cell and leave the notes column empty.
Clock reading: 10:12
